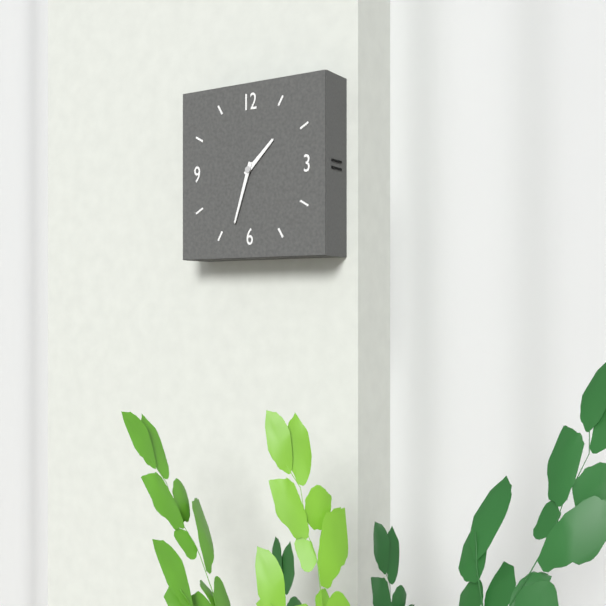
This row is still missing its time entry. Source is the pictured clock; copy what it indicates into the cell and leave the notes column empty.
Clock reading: 1:33
